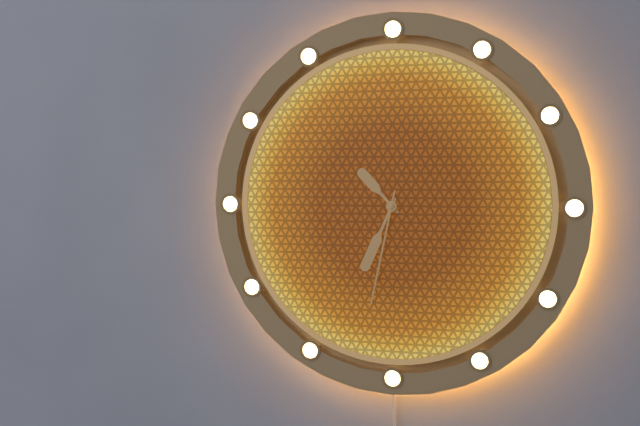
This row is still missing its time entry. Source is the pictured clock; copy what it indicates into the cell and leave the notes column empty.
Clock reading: 10:34:32
